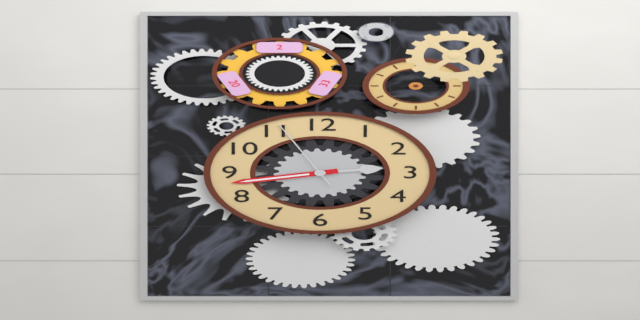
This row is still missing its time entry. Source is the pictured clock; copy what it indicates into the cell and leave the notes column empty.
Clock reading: 2:43:56
